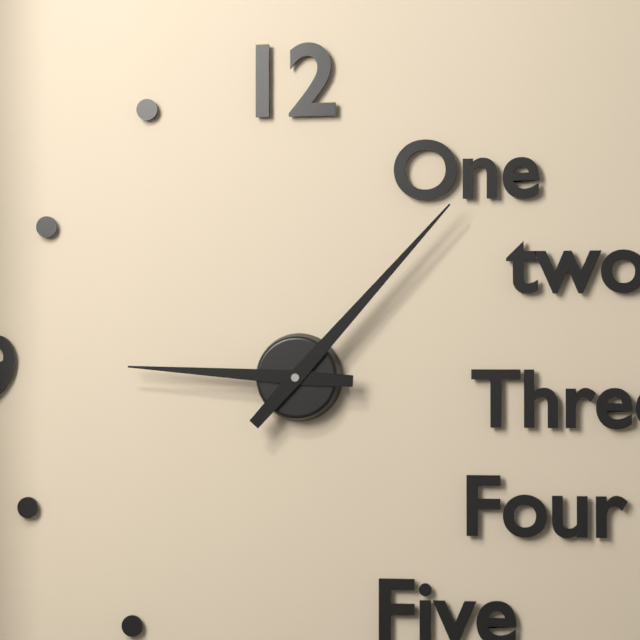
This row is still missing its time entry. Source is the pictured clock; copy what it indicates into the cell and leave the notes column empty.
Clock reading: 9:07
